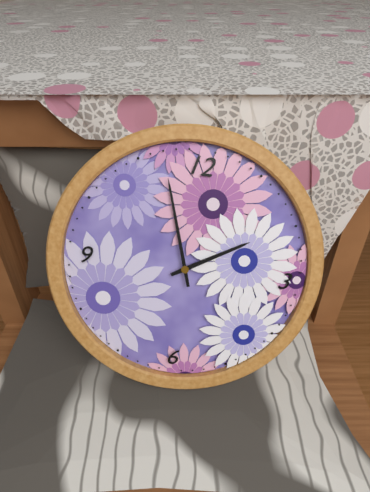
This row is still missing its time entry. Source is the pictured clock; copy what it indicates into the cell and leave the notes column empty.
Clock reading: 1:57
